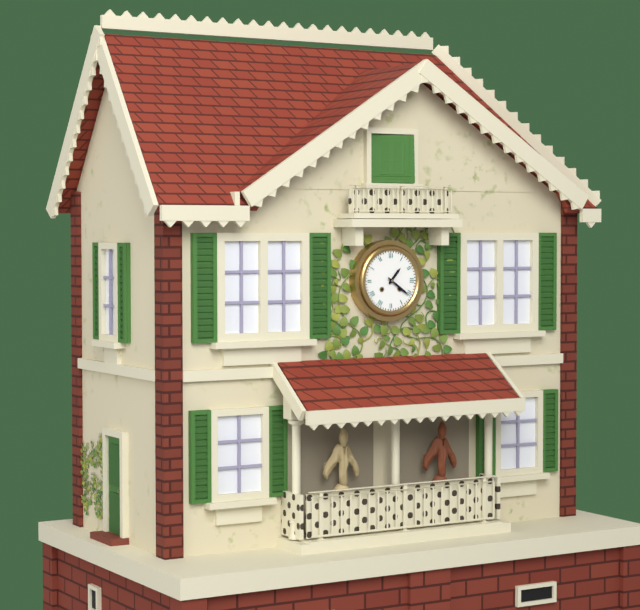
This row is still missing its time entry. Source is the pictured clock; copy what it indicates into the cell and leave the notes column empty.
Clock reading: 1:21
